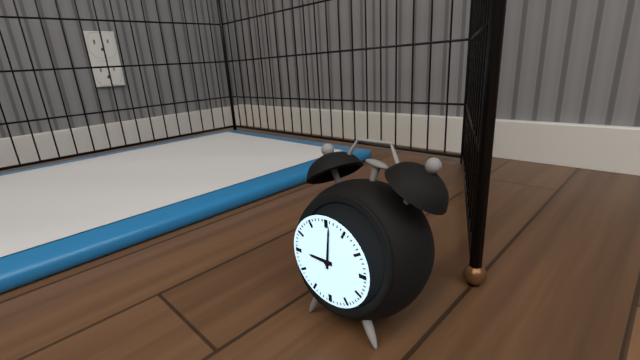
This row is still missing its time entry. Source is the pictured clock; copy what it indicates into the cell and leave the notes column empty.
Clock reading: 9:01
